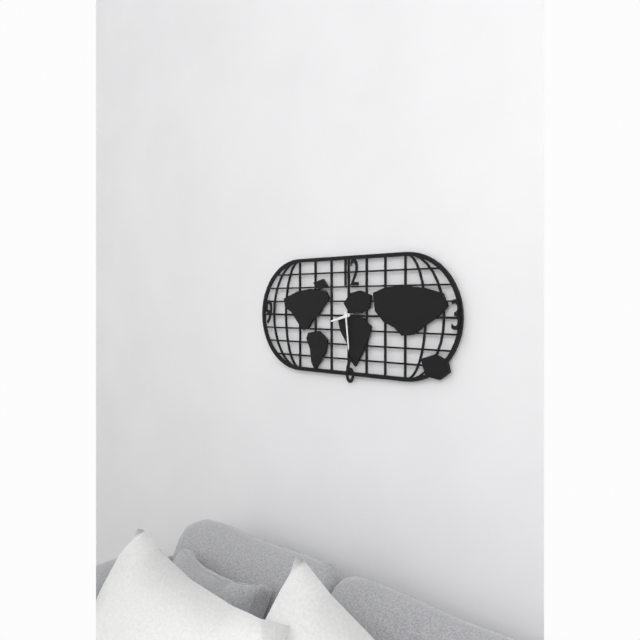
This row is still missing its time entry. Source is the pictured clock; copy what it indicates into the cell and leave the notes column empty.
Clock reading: 8:29
